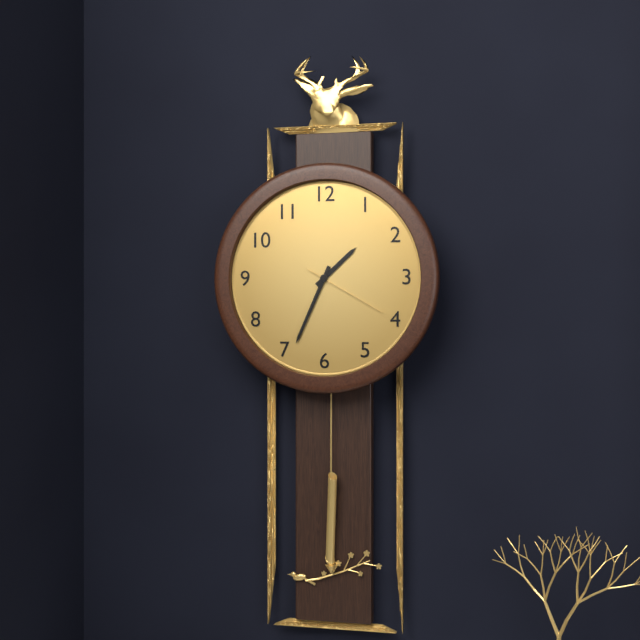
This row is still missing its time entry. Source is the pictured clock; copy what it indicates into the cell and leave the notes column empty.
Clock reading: 1:34:20
